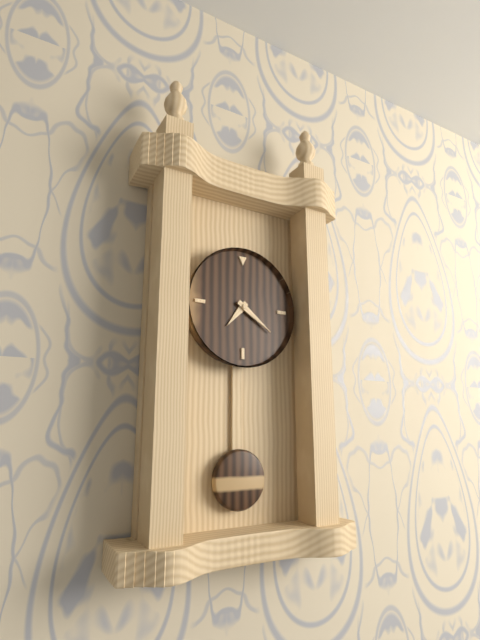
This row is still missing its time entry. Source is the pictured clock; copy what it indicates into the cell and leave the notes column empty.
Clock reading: 7:21
